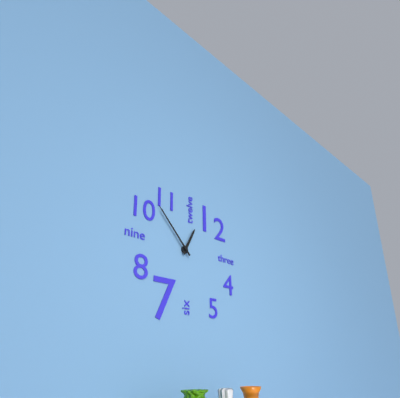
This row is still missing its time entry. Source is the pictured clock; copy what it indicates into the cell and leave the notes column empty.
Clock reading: 12:53
